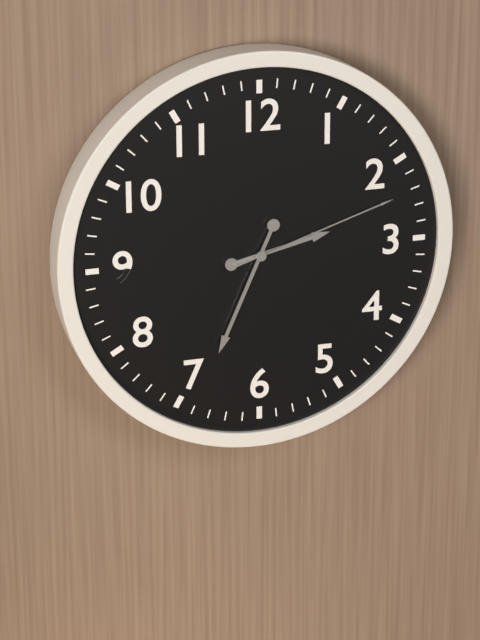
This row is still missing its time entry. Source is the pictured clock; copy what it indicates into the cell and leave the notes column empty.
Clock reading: 2:34:12
